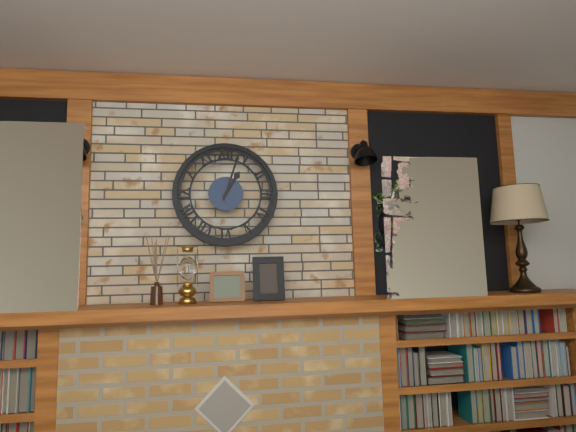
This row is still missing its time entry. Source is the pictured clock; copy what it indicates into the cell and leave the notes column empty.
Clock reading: 1:03
